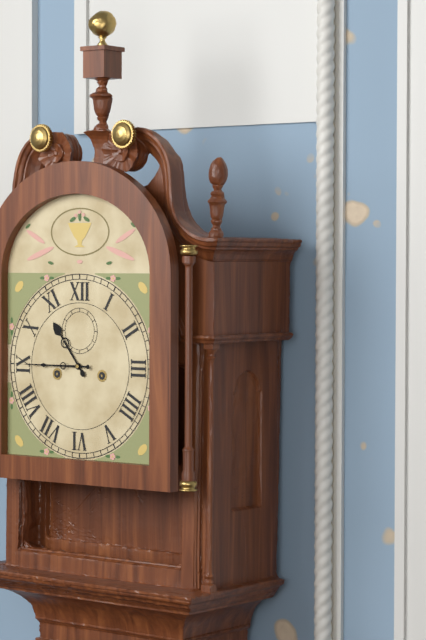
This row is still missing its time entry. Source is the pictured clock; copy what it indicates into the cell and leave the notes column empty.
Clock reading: 10:45
